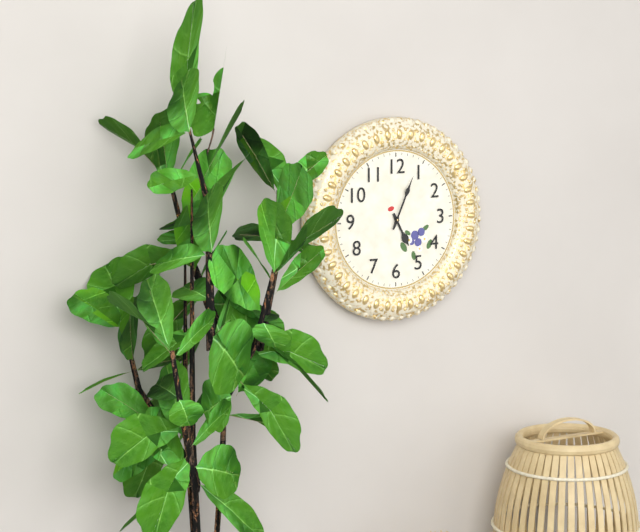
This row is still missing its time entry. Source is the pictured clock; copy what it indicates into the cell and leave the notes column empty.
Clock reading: 5:04
